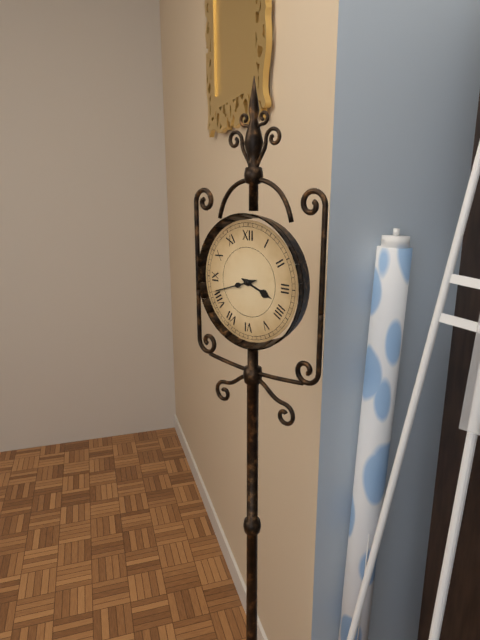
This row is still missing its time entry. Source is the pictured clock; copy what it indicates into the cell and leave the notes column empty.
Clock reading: 3:42
